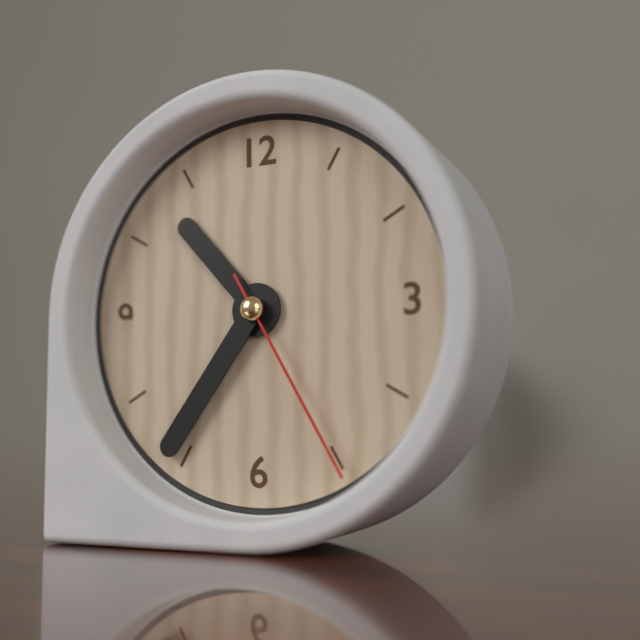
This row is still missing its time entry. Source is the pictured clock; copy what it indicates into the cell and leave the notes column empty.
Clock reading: 10:36:25
